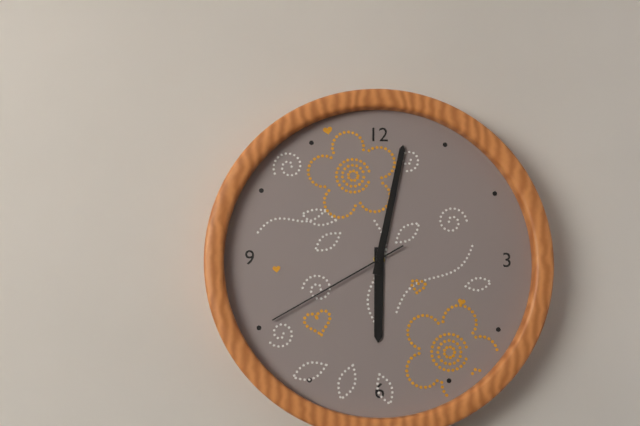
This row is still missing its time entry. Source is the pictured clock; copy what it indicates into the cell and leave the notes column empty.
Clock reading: 6:02:40
